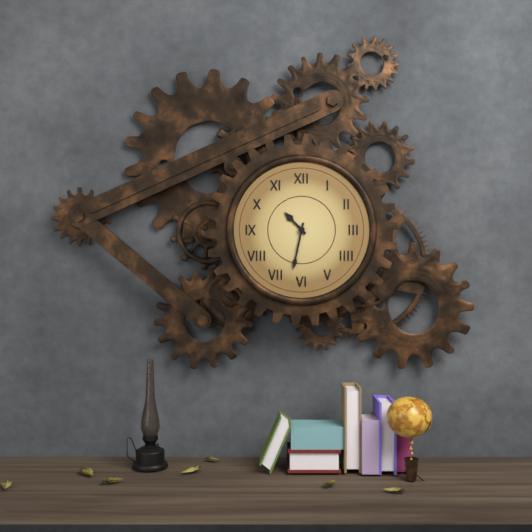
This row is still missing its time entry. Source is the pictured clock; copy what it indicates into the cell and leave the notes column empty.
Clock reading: 10:32
